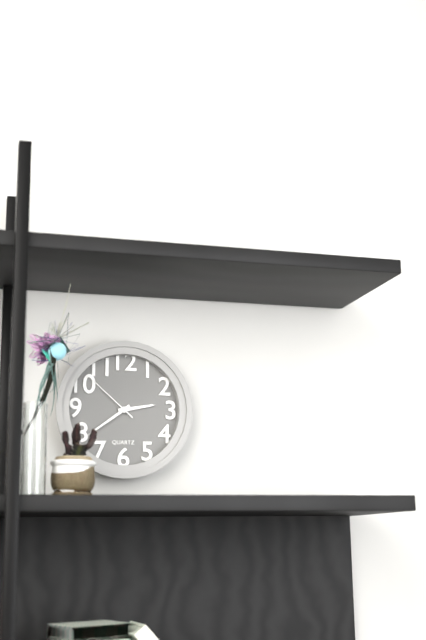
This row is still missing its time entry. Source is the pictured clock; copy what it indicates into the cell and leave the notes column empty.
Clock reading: 2:39:52
